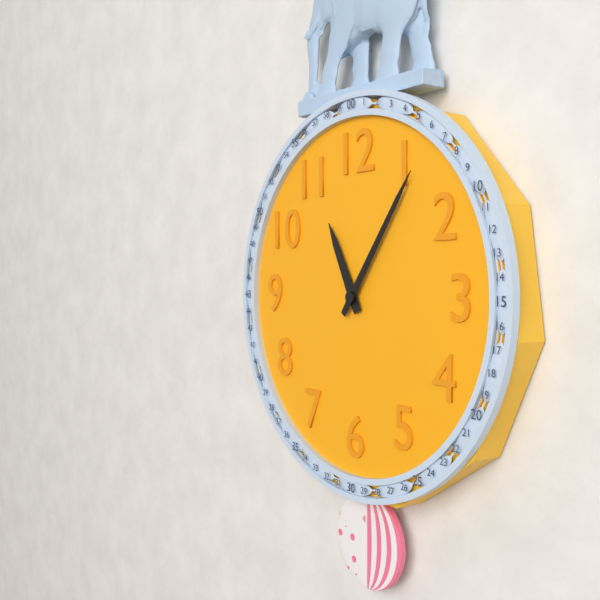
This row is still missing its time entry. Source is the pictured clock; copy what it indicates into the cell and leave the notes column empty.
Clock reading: 11:06
